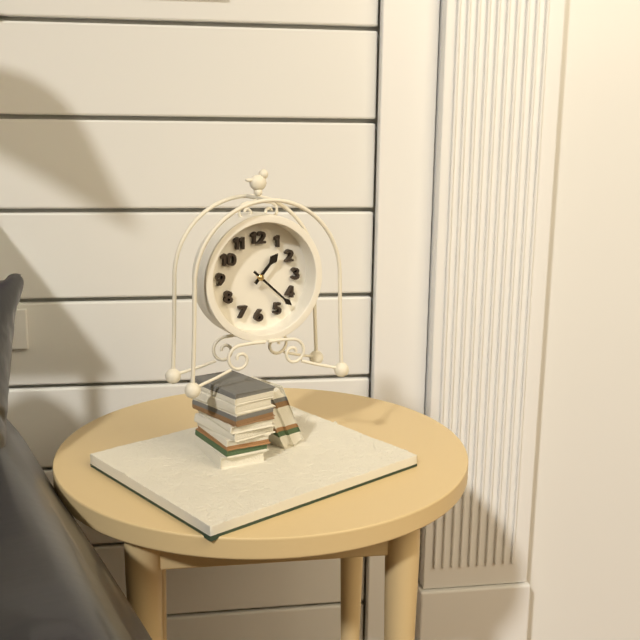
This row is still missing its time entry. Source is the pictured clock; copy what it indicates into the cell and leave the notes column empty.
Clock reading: 1:22
